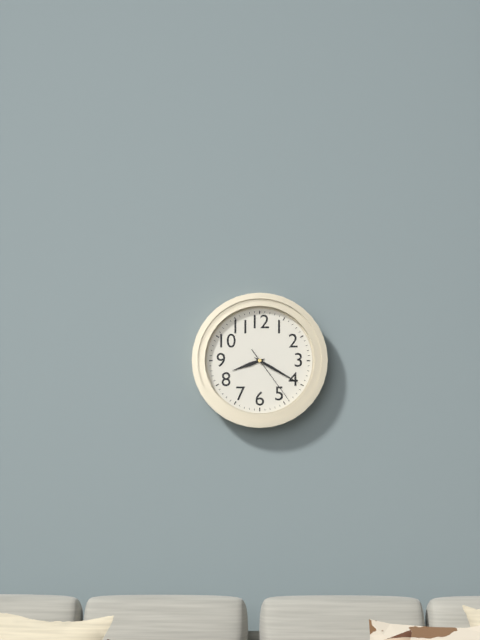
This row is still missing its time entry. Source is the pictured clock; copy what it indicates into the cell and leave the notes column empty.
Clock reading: 8:20:24
